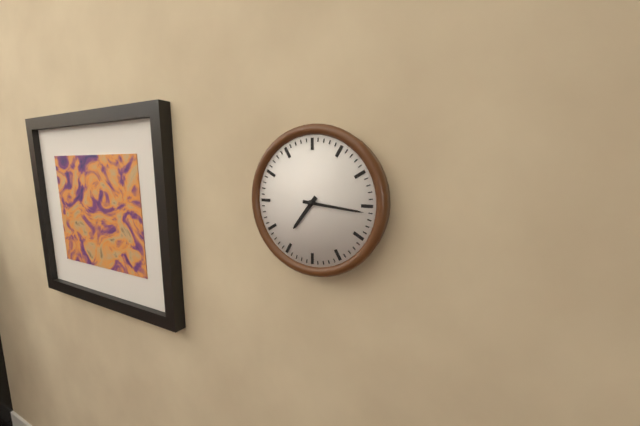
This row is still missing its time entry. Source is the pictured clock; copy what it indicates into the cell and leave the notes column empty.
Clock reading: 7:16
